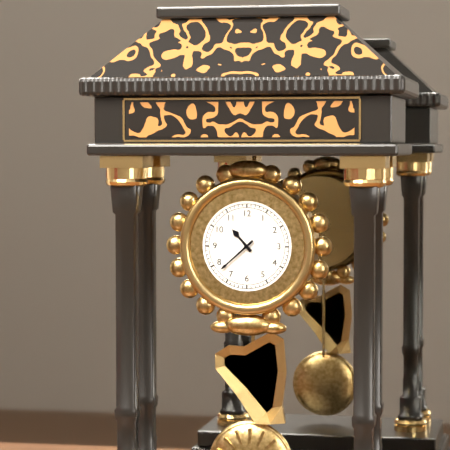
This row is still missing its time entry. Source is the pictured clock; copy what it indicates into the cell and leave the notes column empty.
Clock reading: 10:38
